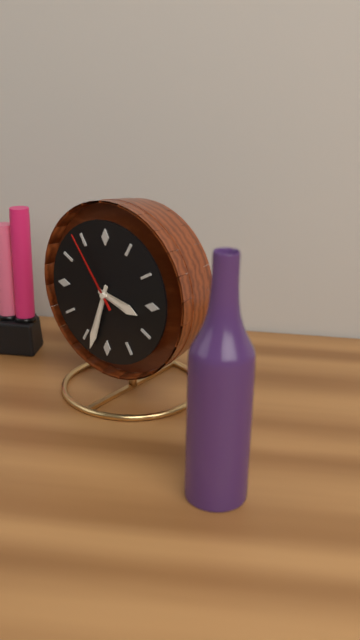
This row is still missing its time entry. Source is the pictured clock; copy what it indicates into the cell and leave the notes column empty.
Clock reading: 3:33:54
